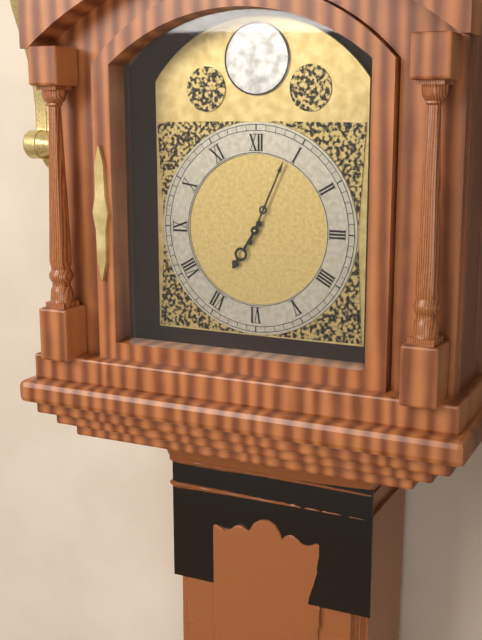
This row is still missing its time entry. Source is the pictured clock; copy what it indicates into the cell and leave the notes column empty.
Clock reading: 7:04
